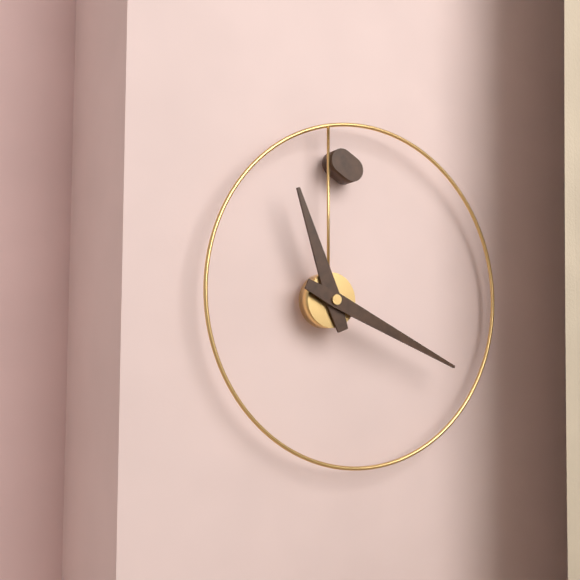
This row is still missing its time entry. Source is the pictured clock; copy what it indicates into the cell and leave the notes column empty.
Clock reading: 11:19
